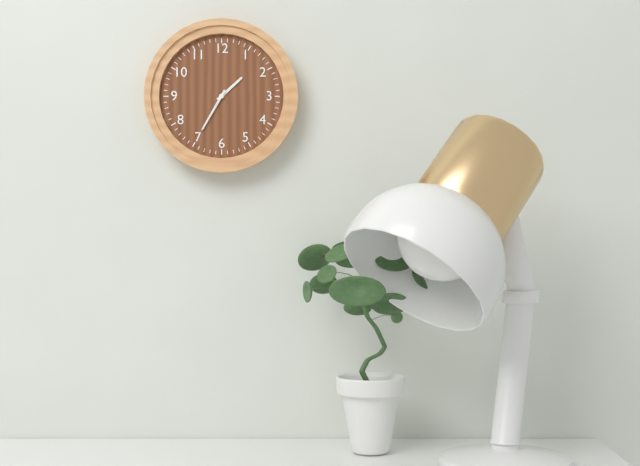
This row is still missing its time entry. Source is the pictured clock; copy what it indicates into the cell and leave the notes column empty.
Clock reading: 1:35
